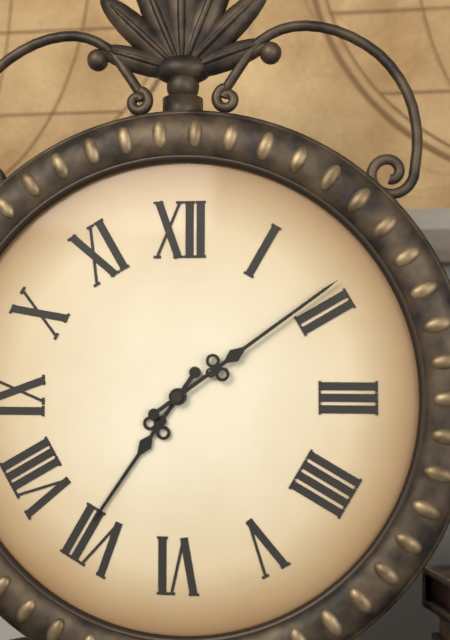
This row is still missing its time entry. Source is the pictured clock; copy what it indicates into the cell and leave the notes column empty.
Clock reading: 7:09
